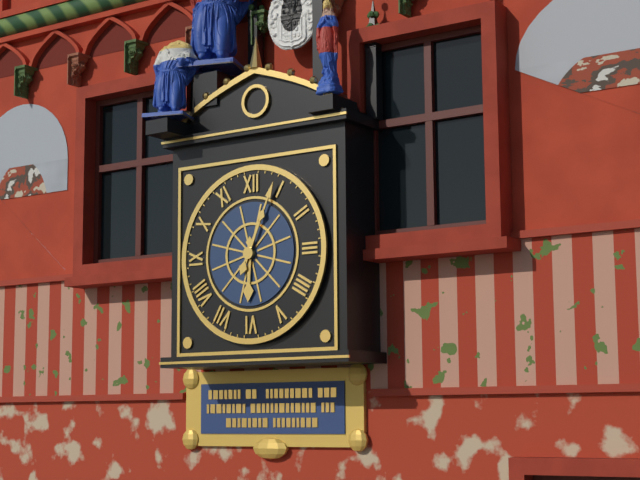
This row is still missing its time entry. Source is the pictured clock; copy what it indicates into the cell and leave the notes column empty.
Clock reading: 6:04
